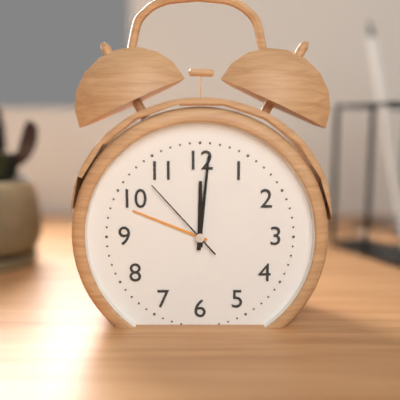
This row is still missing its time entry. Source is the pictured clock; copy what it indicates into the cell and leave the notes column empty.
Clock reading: 12:01:53
